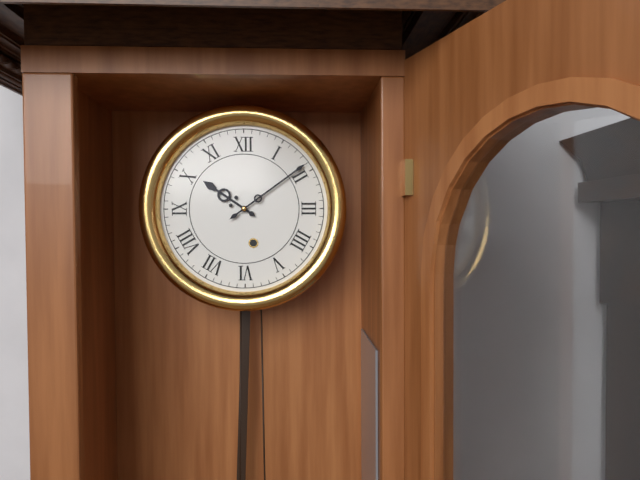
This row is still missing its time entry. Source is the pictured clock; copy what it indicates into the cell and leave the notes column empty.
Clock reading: 10:09
